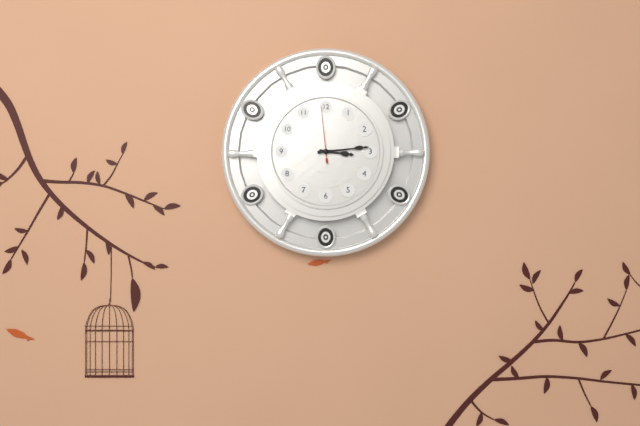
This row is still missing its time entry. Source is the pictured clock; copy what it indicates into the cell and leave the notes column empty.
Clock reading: 3:14:59
